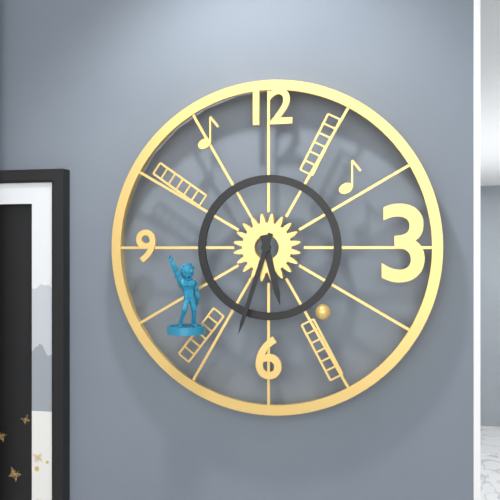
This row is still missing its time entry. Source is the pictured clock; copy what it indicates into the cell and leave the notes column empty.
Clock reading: 5:33
